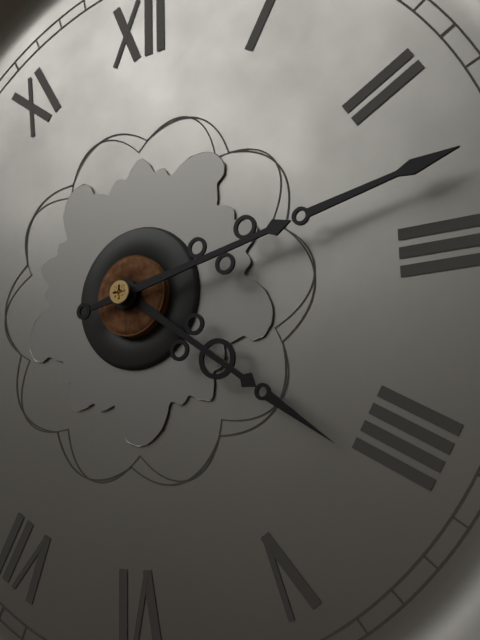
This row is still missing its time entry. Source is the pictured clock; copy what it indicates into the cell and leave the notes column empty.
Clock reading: 4:13
